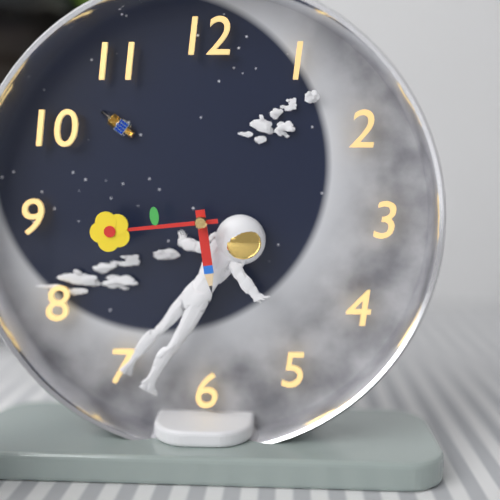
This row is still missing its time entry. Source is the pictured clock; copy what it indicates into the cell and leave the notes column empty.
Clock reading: 5:44
